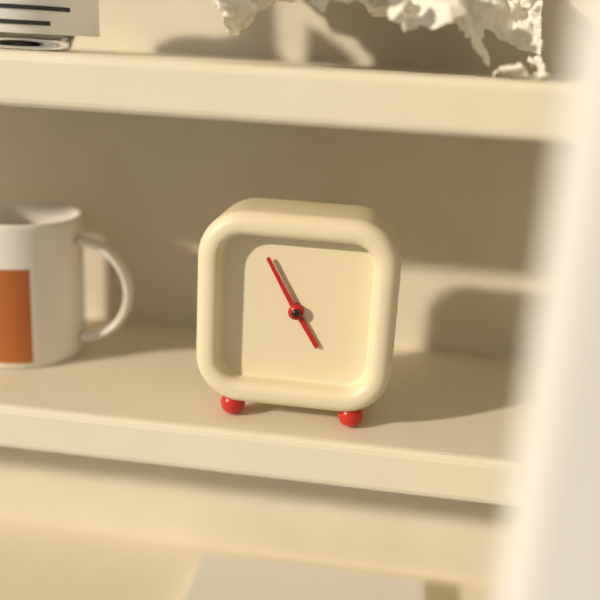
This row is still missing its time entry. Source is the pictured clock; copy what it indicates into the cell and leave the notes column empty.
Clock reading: 4:55
